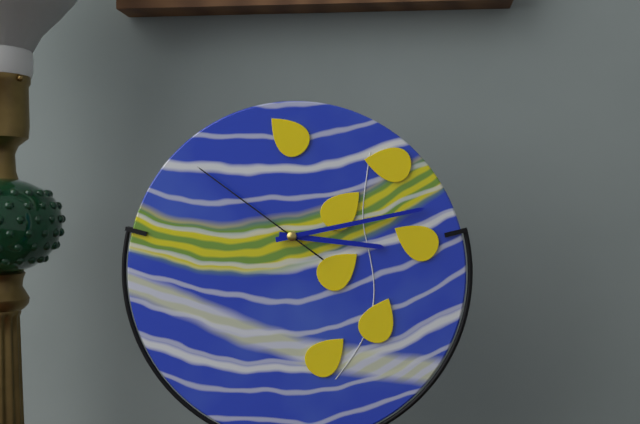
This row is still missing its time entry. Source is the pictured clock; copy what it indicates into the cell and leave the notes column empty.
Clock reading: 3:13:51
